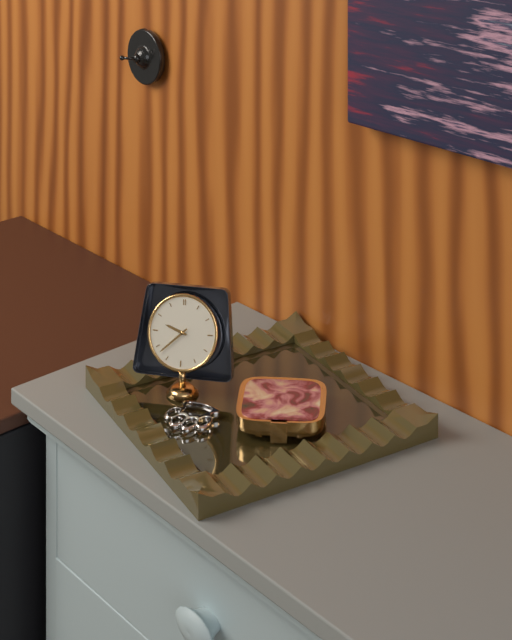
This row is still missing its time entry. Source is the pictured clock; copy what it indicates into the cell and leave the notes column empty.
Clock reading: 9:38
